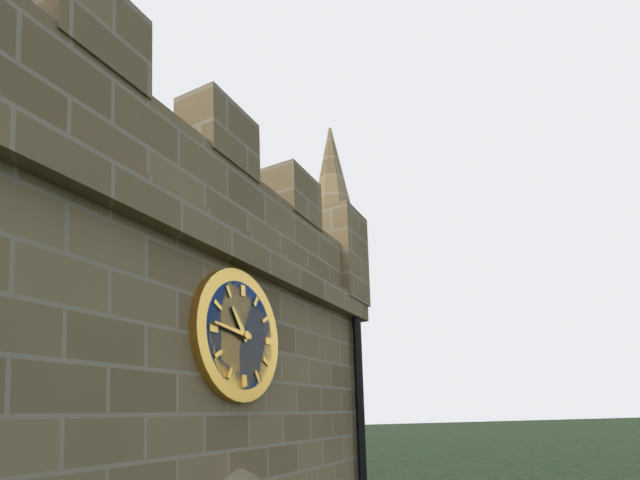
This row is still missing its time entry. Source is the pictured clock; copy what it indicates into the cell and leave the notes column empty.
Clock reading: 10:46
